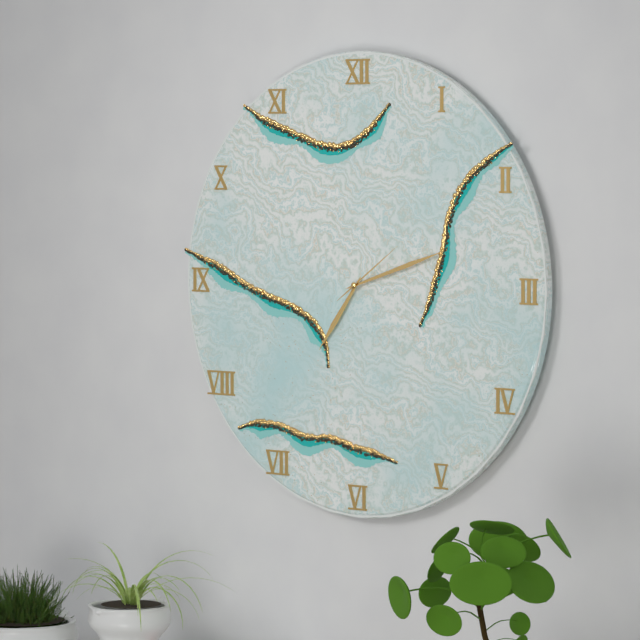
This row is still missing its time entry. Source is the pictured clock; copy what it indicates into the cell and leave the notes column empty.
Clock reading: 7:12:09
